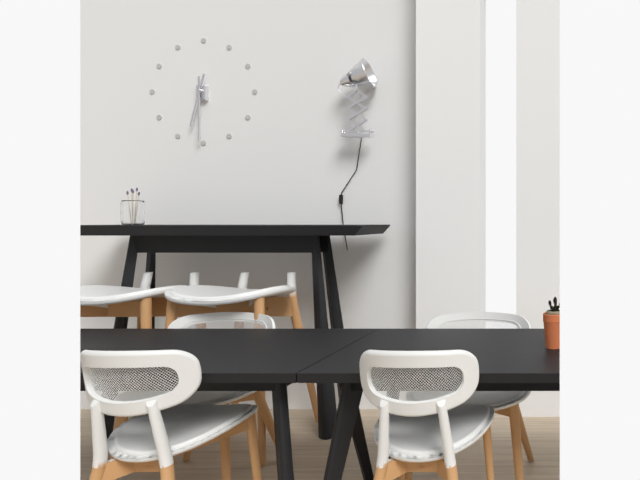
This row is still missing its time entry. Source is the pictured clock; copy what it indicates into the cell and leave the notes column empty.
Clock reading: 6:30
